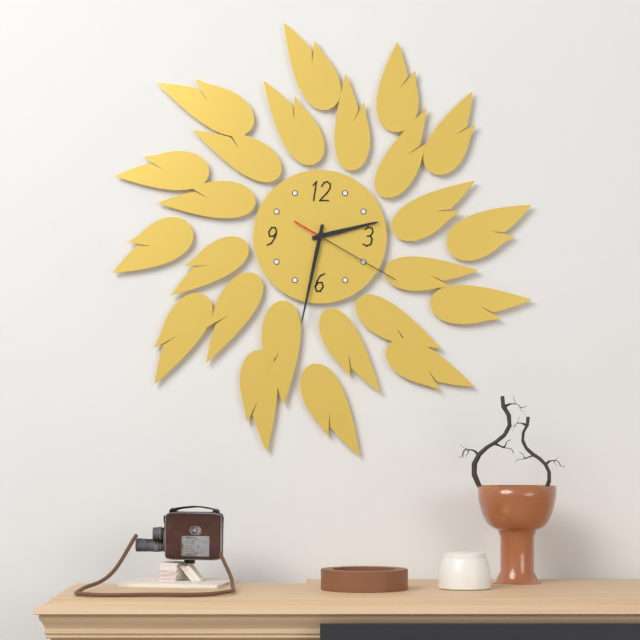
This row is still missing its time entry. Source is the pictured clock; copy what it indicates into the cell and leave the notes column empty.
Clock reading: 2:32:20
